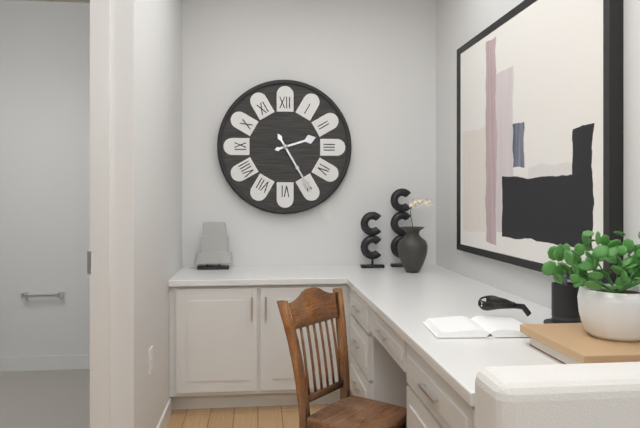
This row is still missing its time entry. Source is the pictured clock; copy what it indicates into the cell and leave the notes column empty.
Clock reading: 2:25
